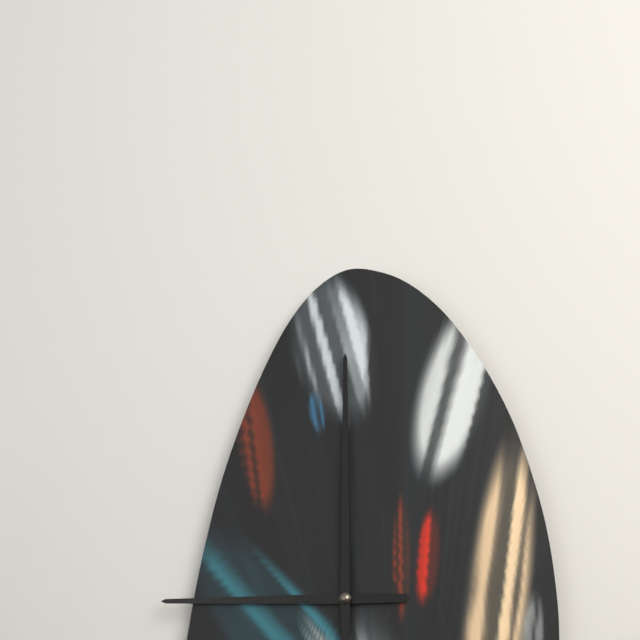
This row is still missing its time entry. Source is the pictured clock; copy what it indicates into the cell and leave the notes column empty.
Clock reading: 9:00
